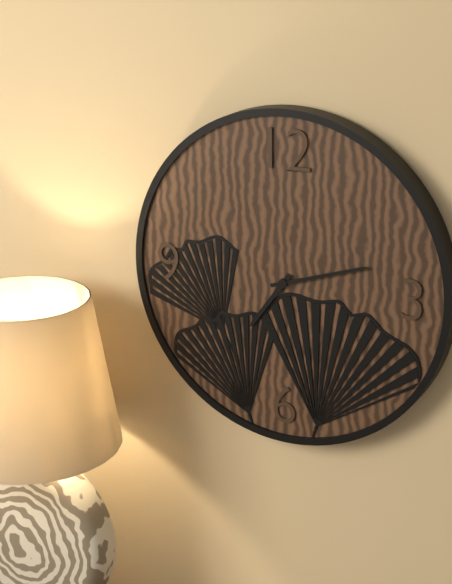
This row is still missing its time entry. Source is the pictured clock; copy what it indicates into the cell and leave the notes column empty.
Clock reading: 7:12
